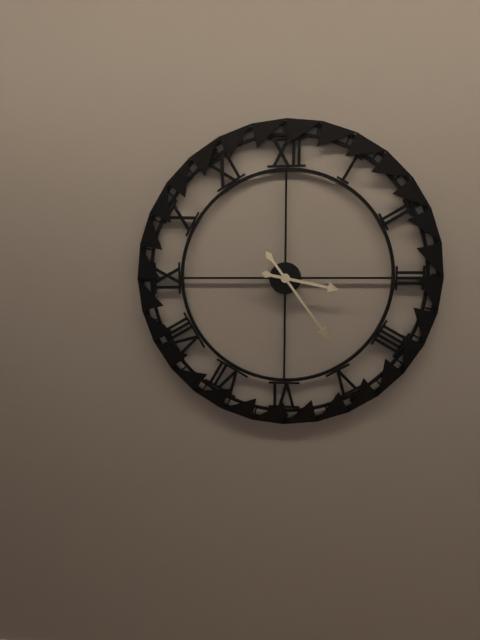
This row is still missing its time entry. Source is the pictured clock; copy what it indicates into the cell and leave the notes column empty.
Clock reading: 3:24
